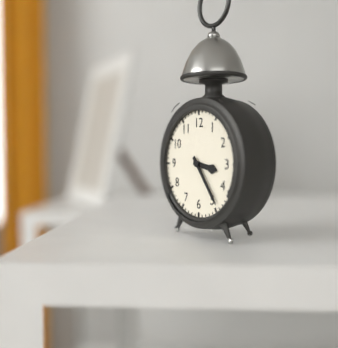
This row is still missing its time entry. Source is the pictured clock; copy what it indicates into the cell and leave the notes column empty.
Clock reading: 3:24
